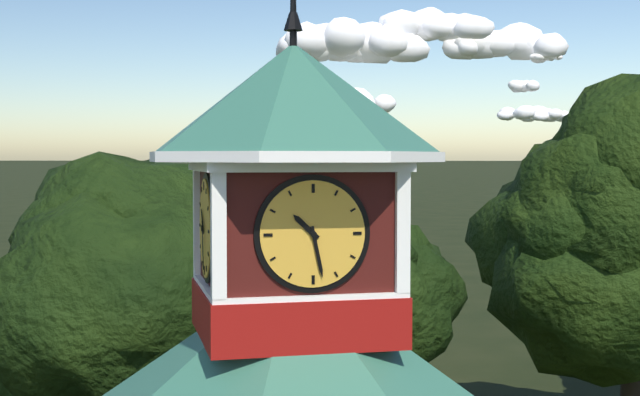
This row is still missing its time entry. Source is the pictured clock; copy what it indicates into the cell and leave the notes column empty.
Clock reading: 10:28
